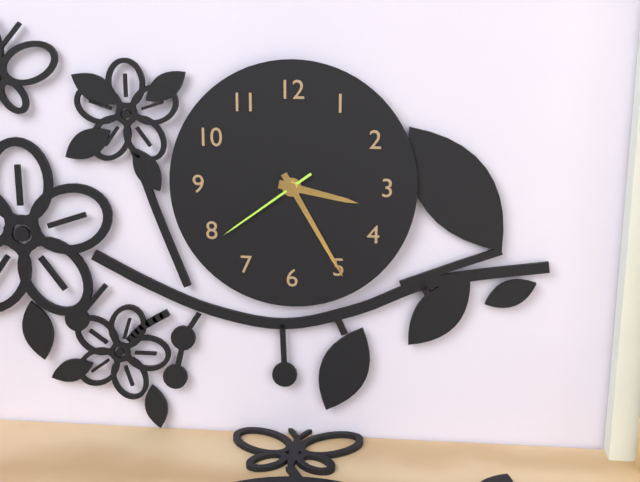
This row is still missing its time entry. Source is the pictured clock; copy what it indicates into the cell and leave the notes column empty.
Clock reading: 3:25:39
